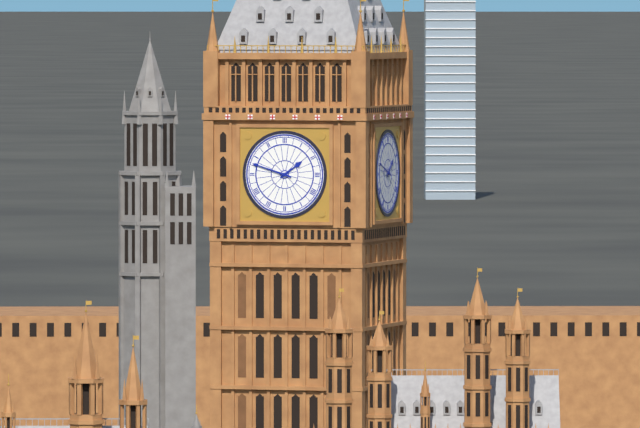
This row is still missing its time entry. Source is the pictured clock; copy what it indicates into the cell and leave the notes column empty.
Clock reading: 1:48
